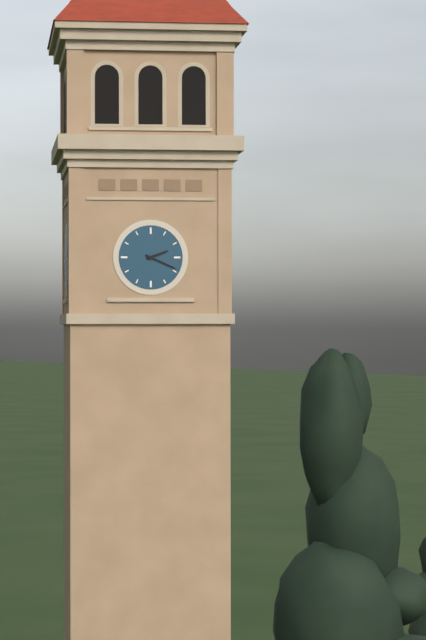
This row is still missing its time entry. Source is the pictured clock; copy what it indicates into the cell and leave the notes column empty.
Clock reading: 2:19
